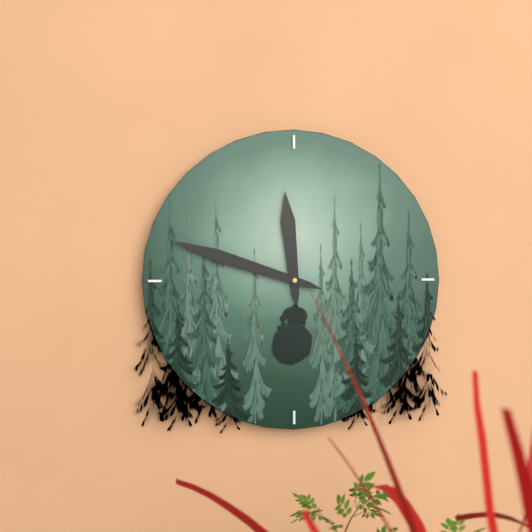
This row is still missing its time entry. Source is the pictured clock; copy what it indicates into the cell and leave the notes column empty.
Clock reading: 11:48
